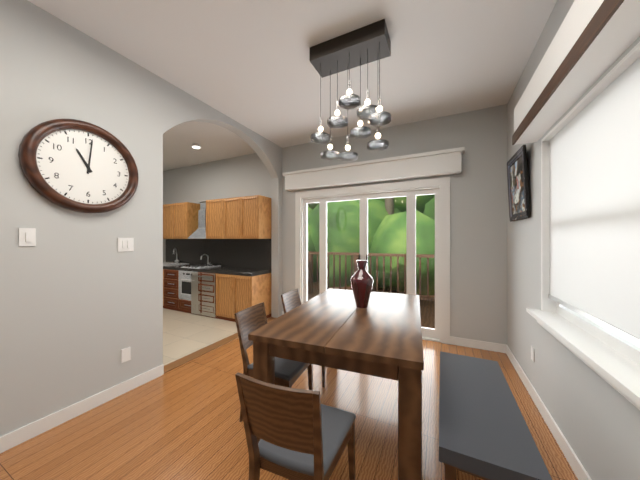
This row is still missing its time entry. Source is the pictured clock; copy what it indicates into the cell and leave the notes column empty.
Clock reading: 11:01
